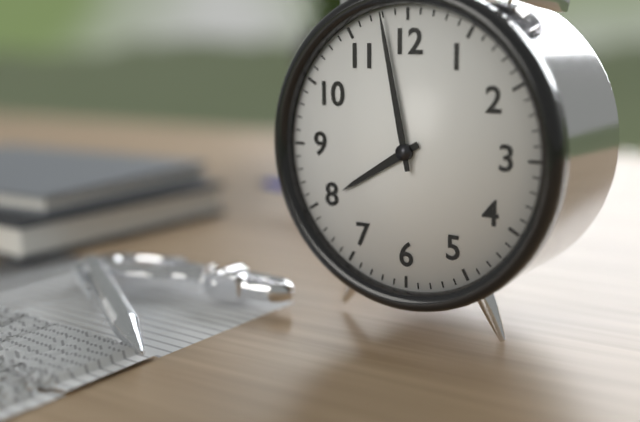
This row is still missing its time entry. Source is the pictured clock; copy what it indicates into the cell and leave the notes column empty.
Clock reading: 7:58
